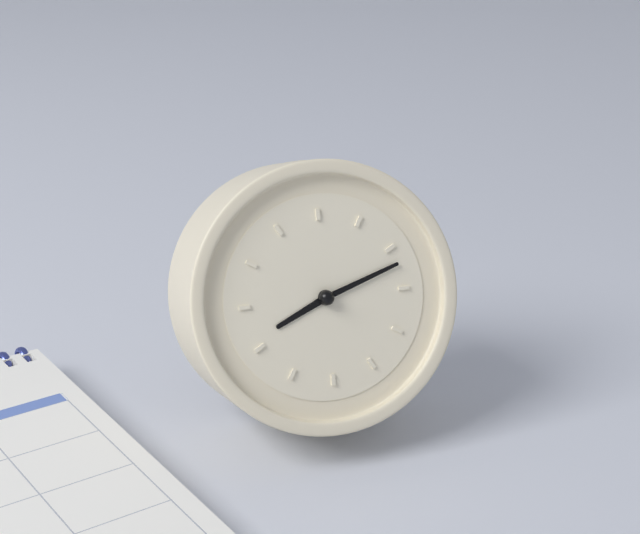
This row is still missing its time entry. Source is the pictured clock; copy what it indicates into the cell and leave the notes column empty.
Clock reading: 8:12
